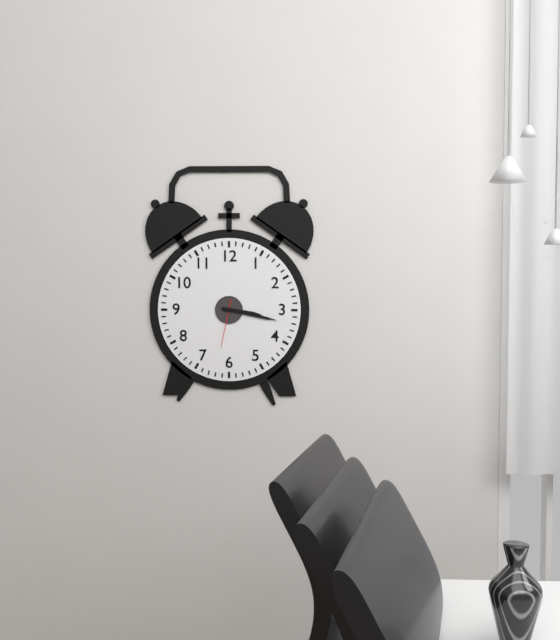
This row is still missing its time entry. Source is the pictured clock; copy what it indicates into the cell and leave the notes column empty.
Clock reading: 3:17
